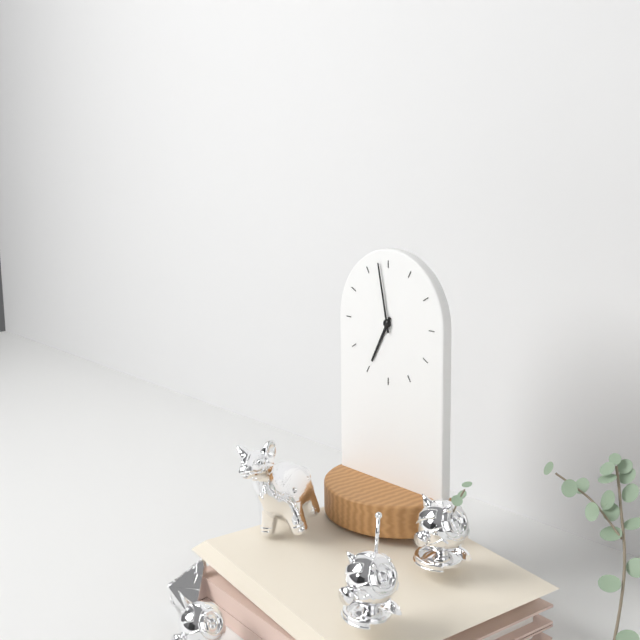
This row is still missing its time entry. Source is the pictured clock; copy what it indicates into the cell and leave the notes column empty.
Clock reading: 6:58
